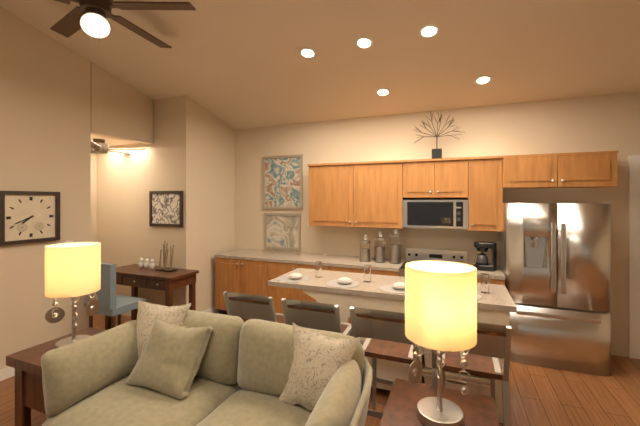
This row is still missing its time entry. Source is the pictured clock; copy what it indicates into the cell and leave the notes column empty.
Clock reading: 7:41
